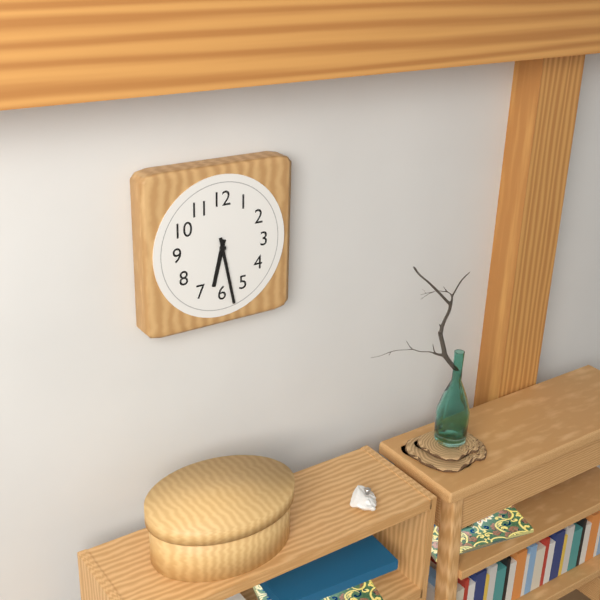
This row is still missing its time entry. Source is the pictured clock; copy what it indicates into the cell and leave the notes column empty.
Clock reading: 6:28
